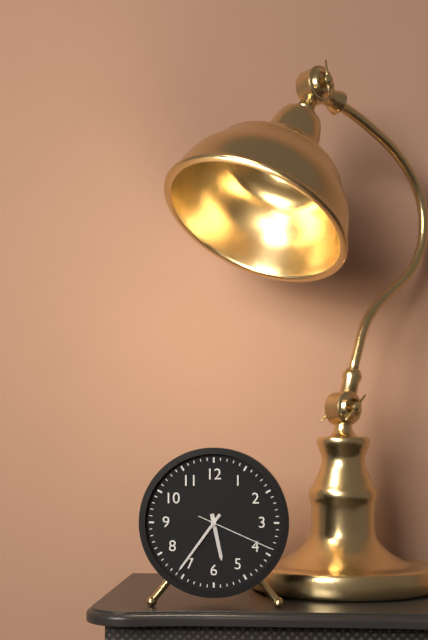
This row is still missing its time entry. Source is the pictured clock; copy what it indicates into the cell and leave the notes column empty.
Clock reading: 5:36:19
